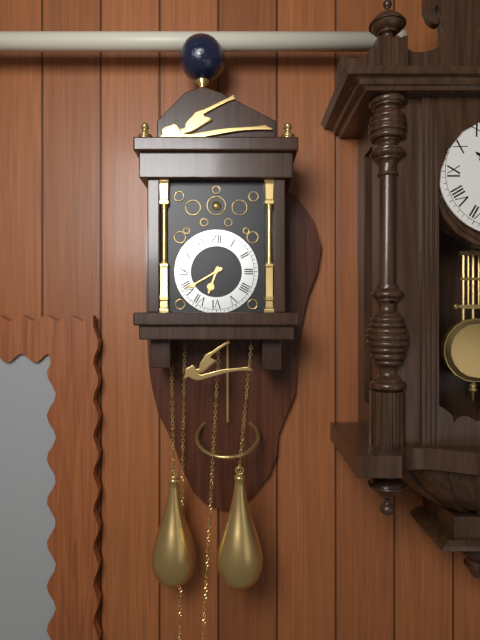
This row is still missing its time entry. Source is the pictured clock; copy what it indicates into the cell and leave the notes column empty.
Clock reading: 6:40
